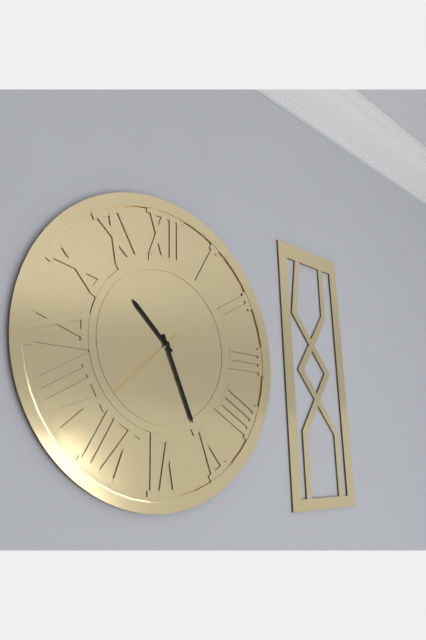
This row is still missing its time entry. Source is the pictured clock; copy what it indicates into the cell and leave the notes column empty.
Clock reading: 10:26:38
